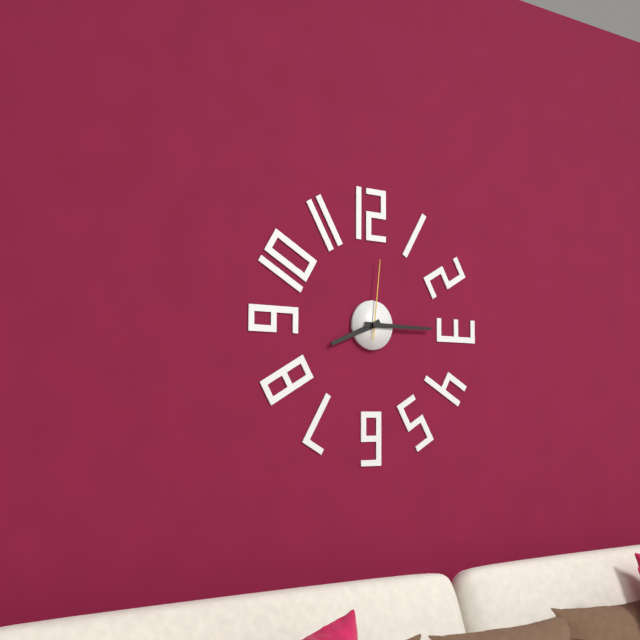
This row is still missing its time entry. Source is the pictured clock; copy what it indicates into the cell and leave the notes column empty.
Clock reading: 8:15:01
